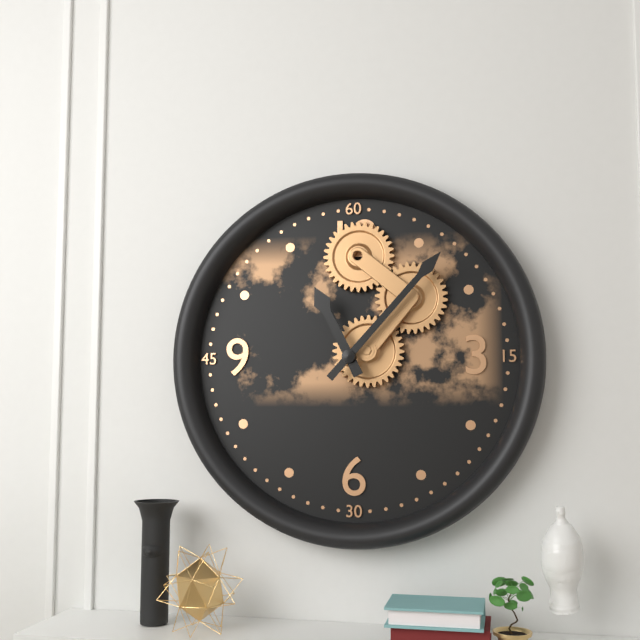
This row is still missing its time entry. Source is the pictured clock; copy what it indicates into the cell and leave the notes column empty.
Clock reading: 11:07
